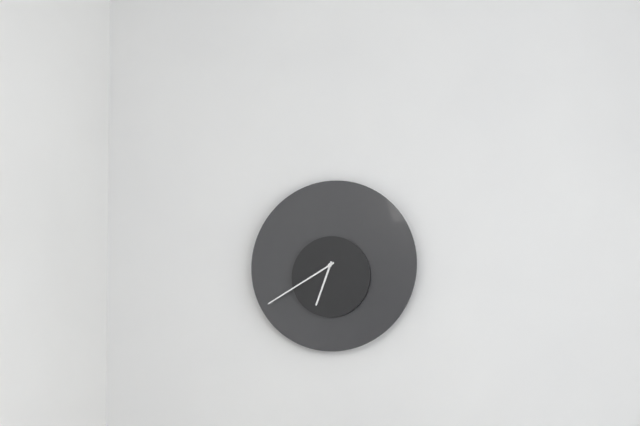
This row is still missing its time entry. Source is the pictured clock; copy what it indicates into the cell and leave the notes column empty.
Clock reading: 6:40
